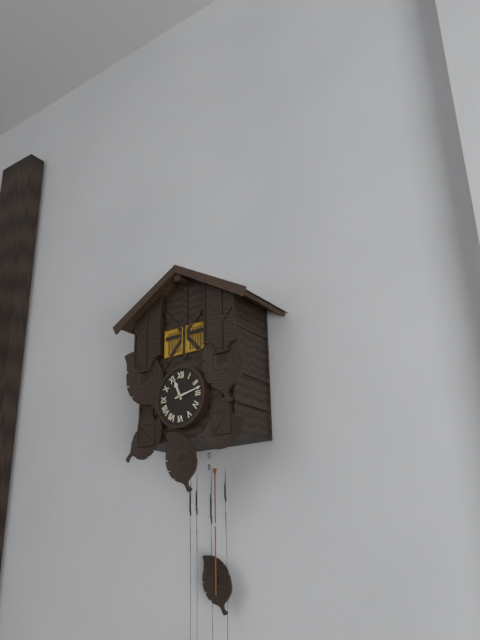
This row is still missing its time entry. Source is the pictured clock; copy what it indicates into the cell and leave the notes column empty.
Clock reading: 11:13
